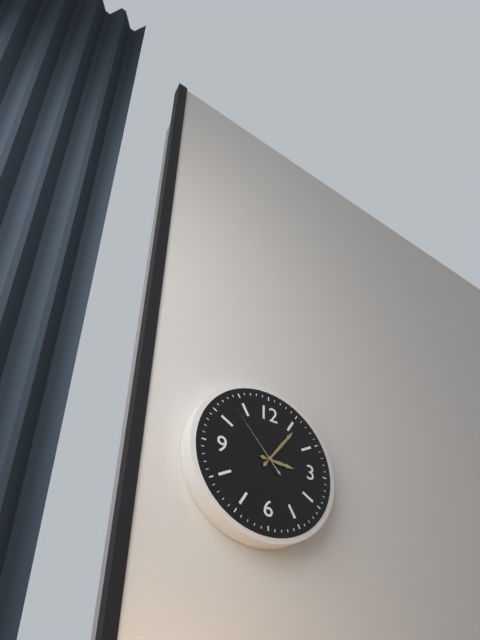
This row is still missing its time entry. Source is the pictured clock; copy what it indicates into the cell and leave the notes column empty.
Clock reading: 3:06:53
